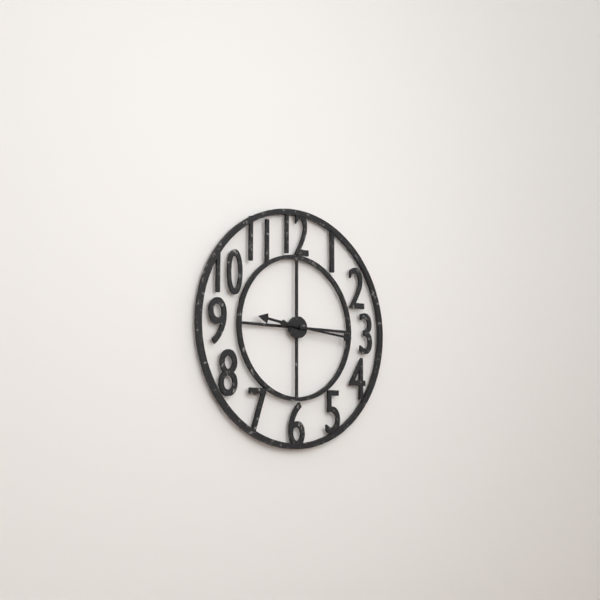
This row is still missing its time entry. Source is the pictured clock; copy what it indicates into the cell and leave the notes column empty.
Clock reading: 9:16
